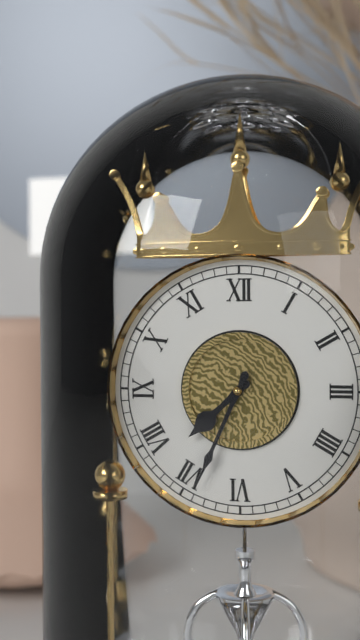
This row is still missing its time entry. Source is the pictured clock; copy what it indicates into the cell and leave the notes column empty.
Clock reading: 7:34
